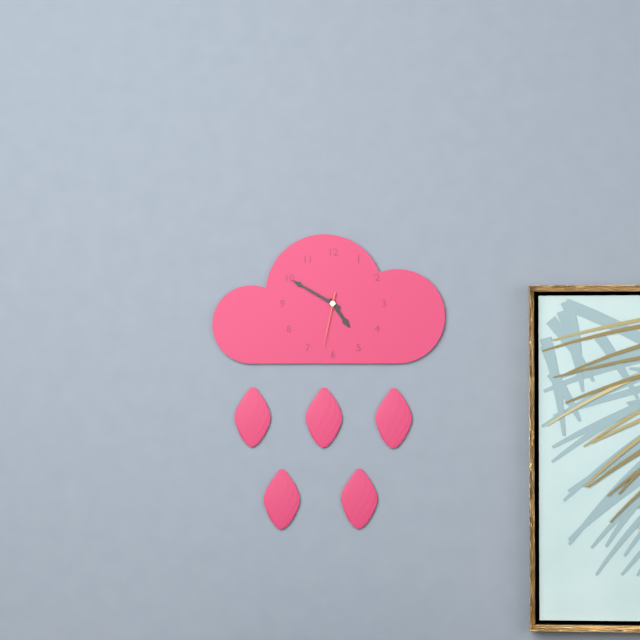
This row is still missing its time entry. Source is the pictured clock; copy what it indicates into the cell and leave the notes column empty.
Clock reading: 4:50:32
